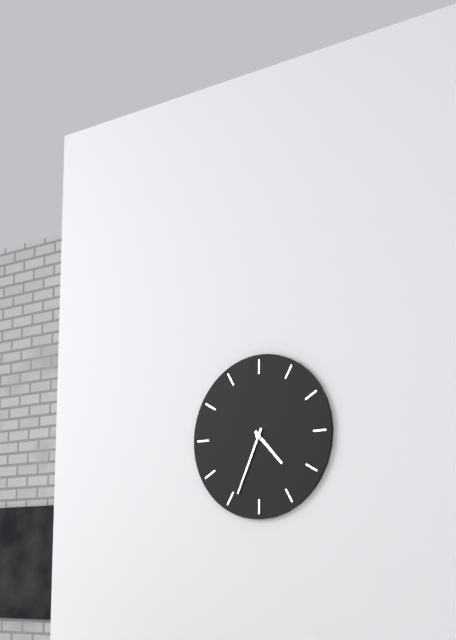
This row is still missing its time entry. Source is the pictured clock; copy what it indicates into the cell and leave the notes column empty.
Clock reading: 4:34
